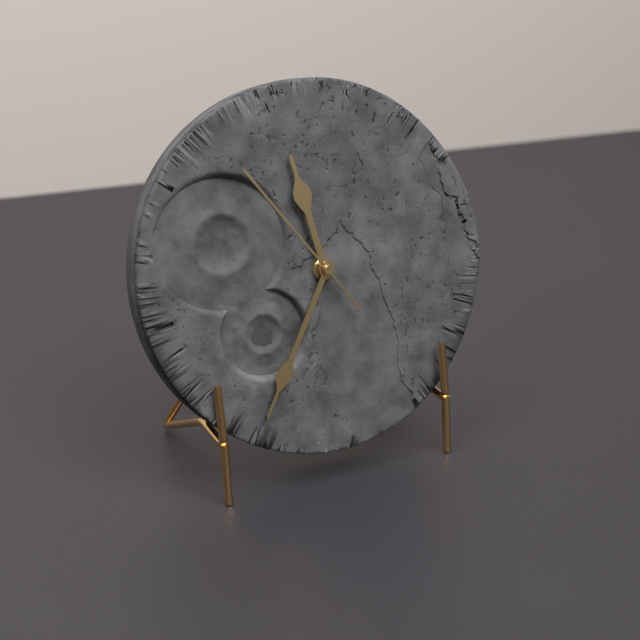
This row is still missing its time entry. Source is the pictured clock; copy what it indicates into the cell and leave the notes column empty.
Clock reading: 11:35:54
